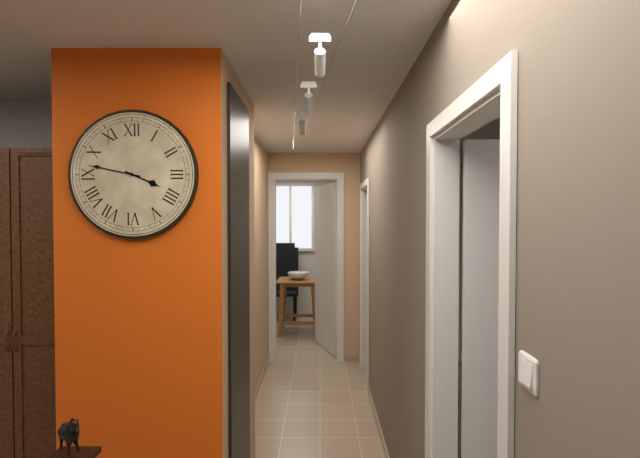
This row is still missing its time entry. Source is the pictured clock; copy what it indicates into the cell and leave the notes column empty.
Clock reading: 3:47
